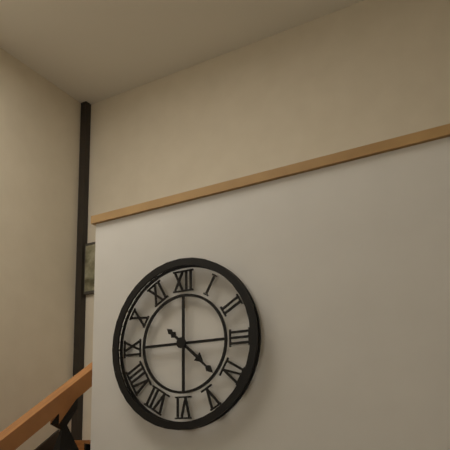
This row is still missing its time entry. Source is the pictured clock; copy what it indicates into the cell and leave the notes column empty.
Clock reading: 4:22
